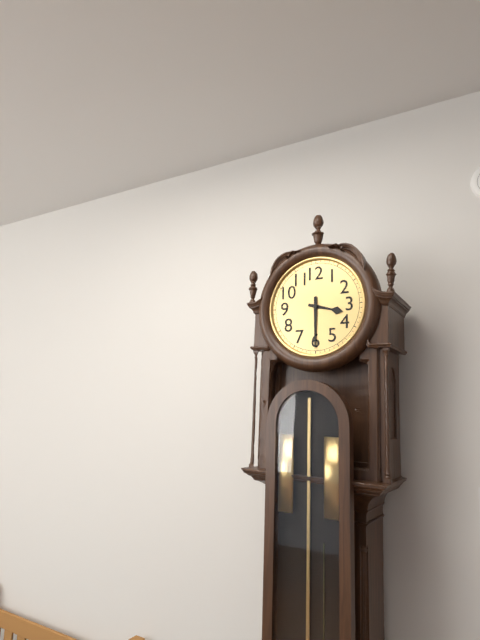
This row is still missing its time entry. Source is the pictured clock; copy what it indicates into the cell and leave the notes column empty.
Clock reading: 3:30
